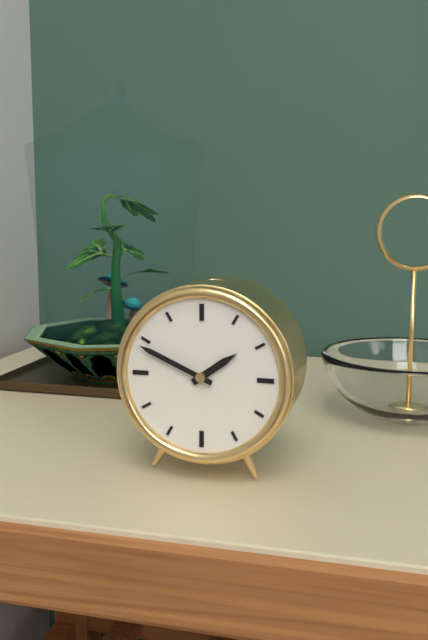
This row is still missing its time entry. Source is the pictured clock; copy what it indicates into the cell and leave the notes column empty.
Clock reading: 1:49
